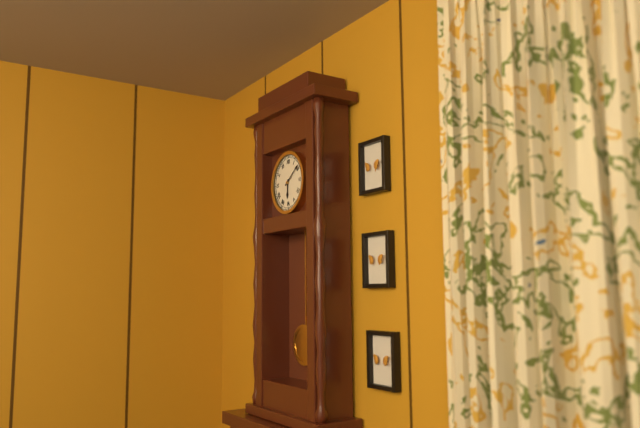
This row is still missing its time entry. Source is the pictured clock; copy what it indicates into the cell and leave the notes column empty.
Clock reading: 6:09
